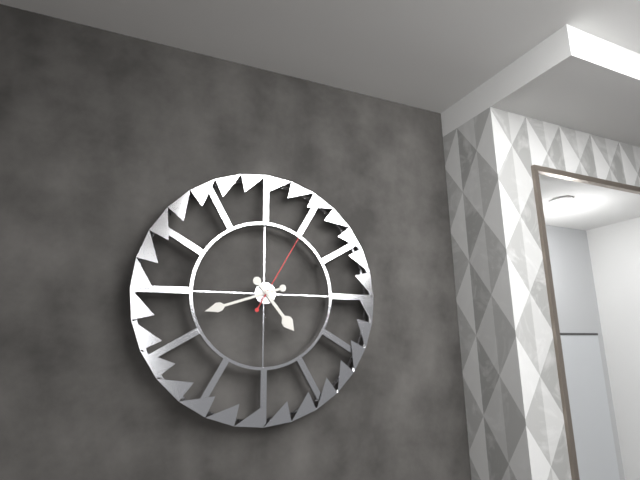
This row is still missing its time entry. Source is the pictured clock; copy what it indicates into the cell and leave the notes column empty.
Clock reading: 4:42:05
